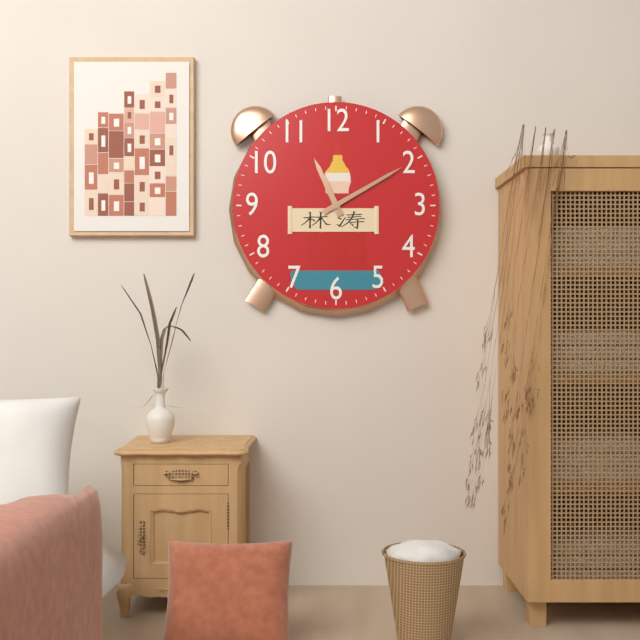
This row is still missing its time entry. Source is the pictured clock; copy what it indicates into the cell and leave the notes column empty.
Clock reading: 11:10
